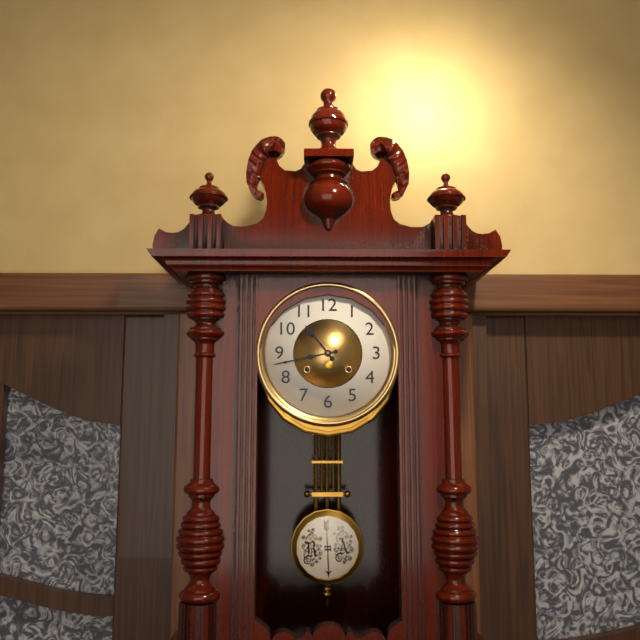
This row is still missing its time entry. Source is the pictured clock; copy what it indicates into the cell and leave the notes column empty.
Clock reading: 10:43
